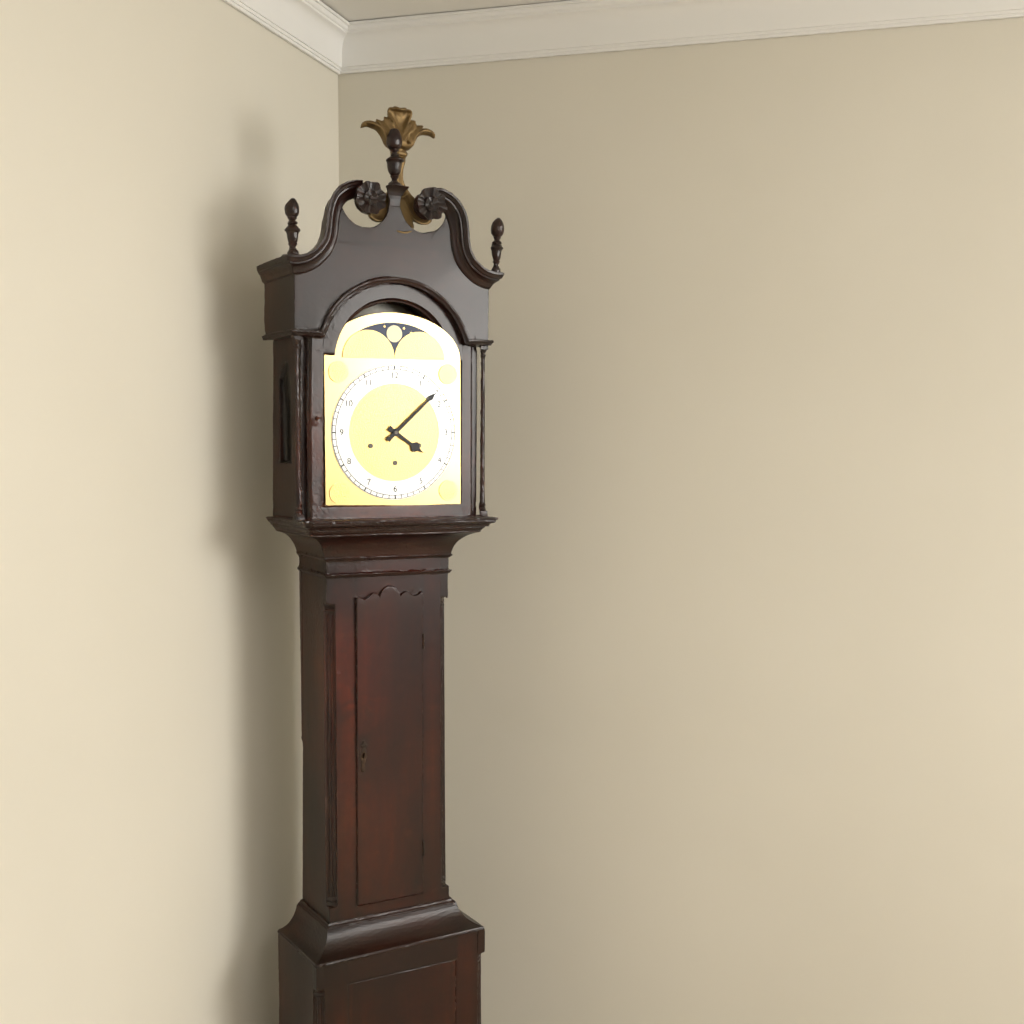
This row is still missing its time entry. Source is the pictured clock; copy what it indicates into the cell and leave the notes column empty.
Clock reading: 4:08
